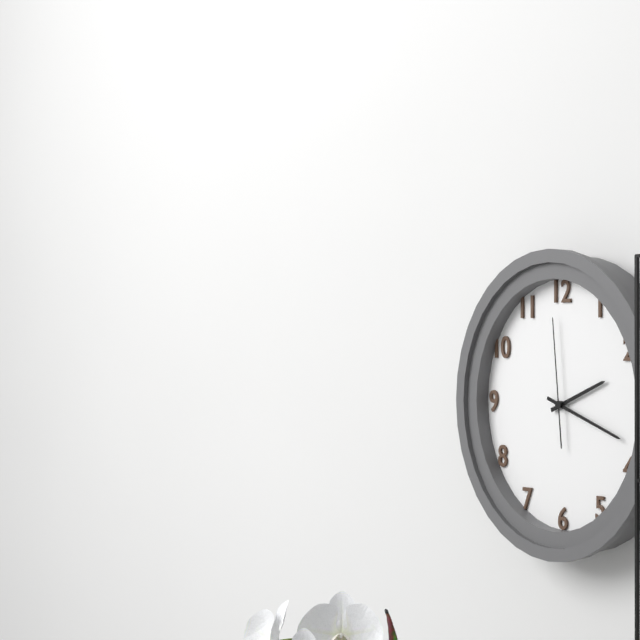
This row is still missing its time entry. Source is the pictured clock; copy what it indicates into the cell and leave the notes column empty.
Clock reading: 2:18:59
